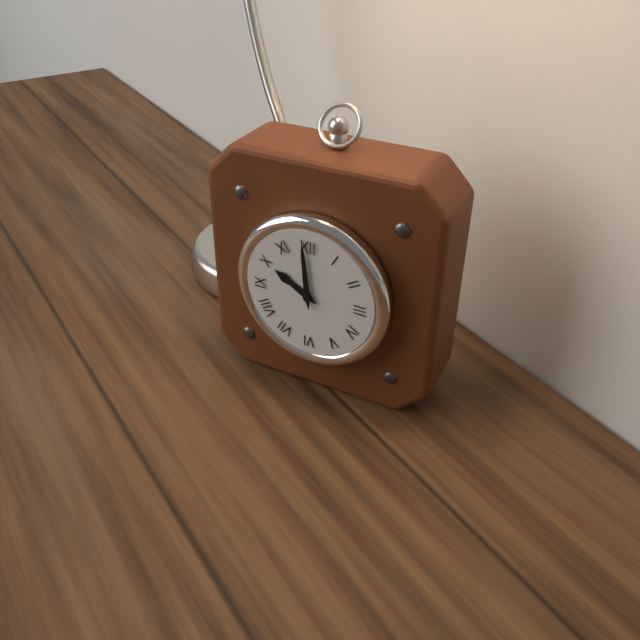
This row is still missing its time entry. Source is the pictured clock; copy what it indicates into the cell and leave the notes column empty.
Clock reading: 9:59
